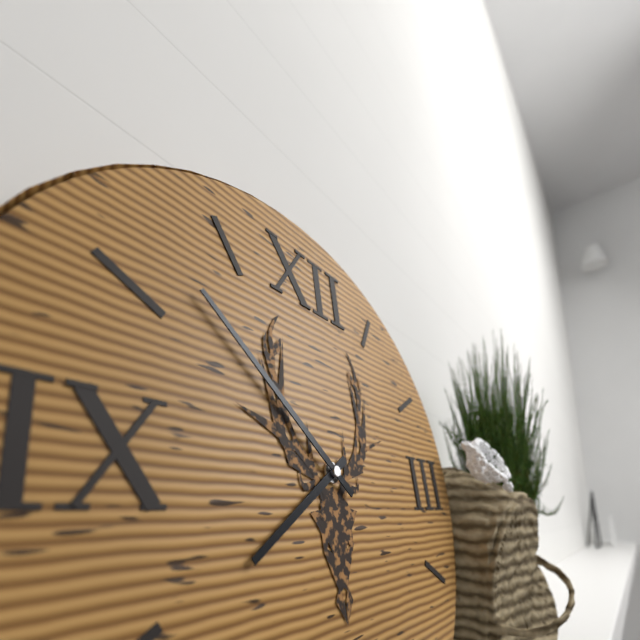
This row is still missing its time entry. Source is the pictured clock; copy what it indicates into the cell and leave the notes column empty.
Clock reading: 7:52
